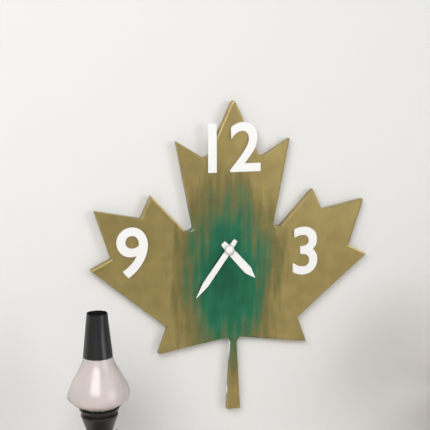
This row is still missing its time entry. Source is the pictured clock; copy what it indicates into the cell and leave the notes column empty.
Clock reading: 4:36
